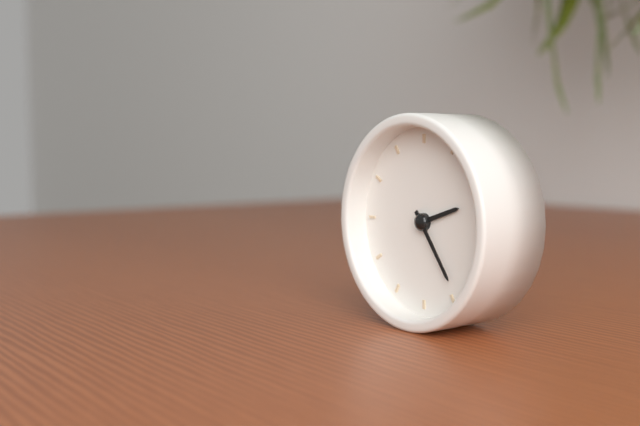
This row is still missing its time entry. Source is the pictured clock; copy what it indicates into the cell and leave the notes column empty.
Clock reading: 2:24
